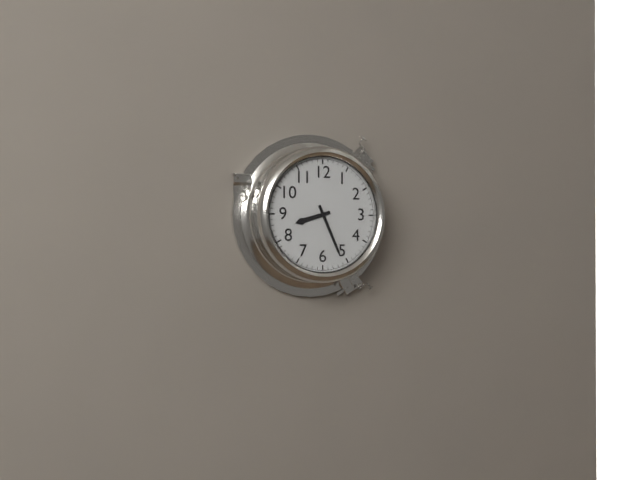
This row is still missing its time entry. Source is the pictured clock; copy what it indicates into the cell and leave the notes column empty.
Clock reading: 8:26
